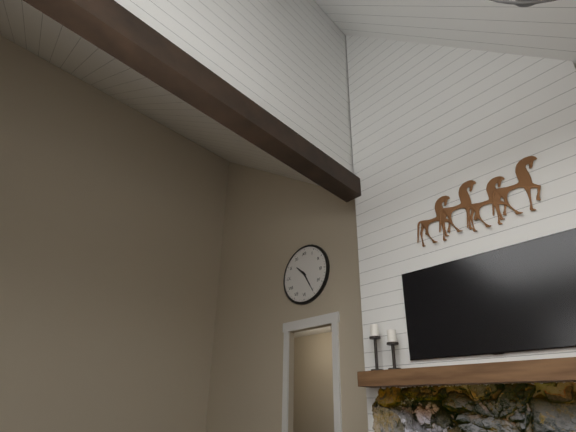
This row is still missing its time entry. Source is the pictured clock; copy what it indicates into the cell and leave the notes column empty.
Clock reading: 10:25
